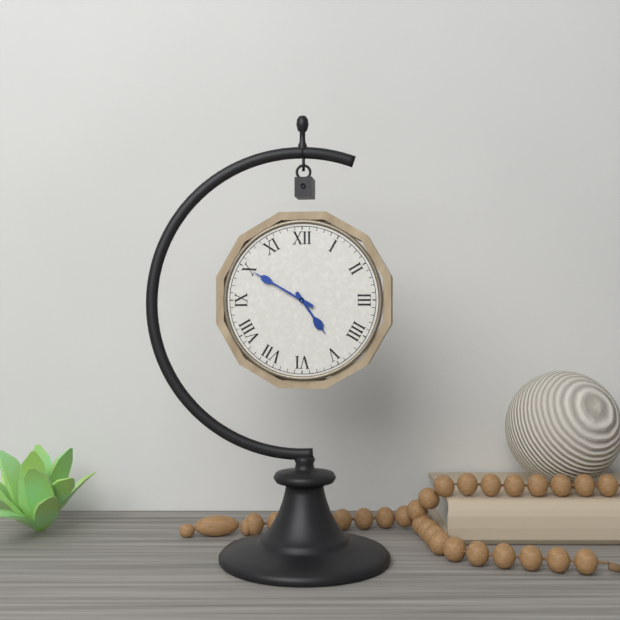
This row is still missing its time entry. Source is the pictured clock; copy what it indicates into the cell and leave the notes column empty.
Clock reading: 4:50
